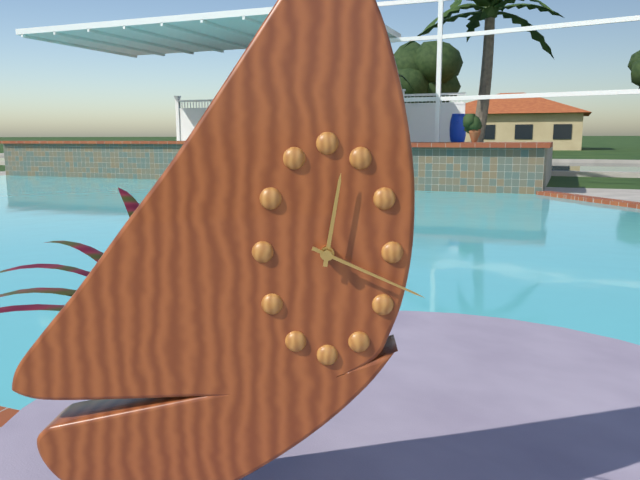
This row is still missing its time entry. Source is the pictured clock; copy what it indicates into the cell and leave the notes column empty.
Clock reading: 12:19
